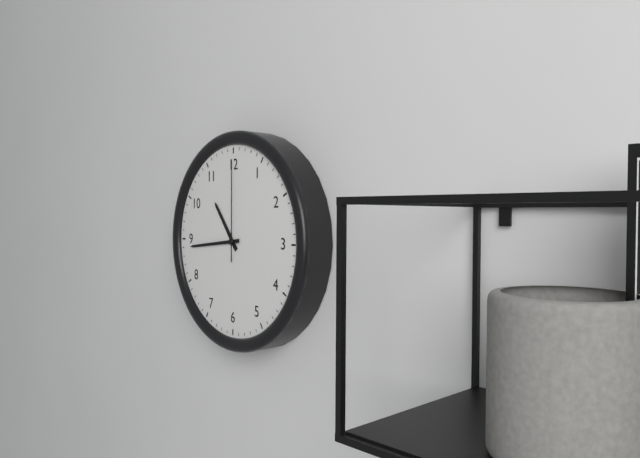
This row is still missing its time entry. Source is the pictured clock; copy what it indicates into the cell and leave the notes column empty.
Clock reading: 10:44:00
